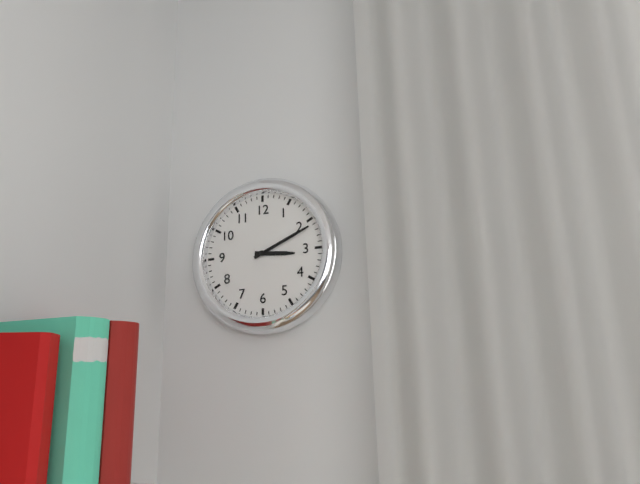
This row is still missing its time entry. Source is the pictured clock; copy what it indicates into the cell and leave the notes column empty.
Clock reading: 3:11
